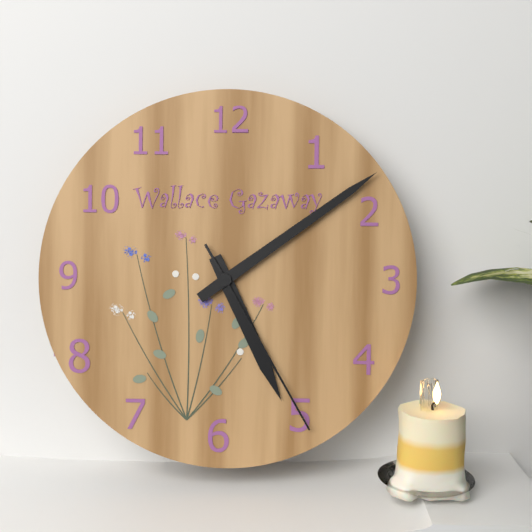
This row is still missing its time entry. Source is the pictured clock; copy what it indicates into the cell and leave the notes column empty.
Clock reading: 5:09:25
